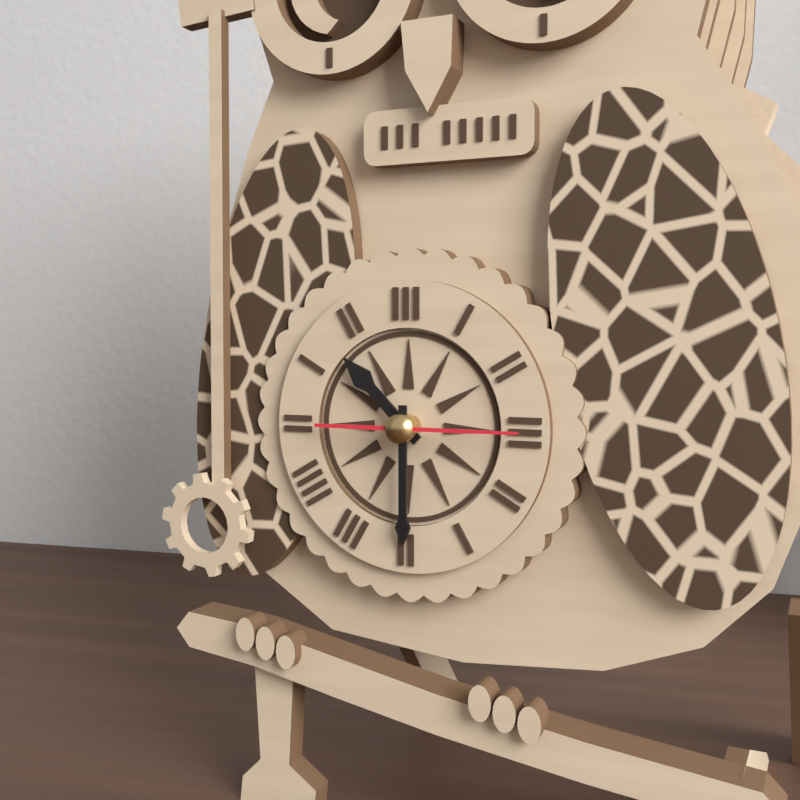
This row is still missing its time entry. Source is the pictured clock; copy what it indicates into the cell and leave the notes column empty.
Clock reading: 10:30:15
